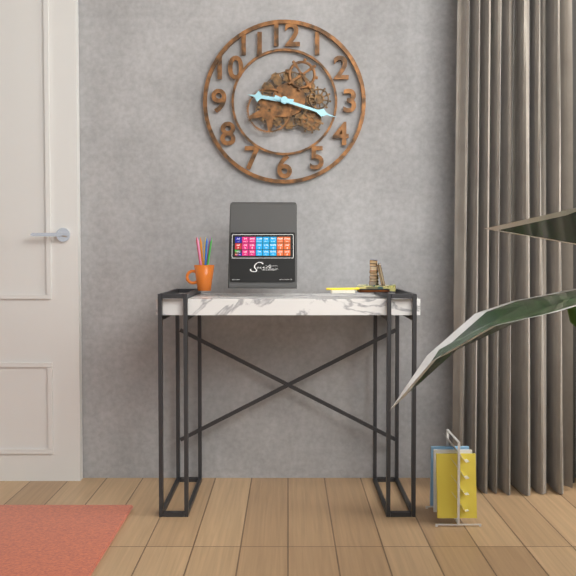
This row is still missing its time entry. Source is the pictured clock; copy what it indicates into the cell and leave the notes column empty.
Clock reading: 9:18
